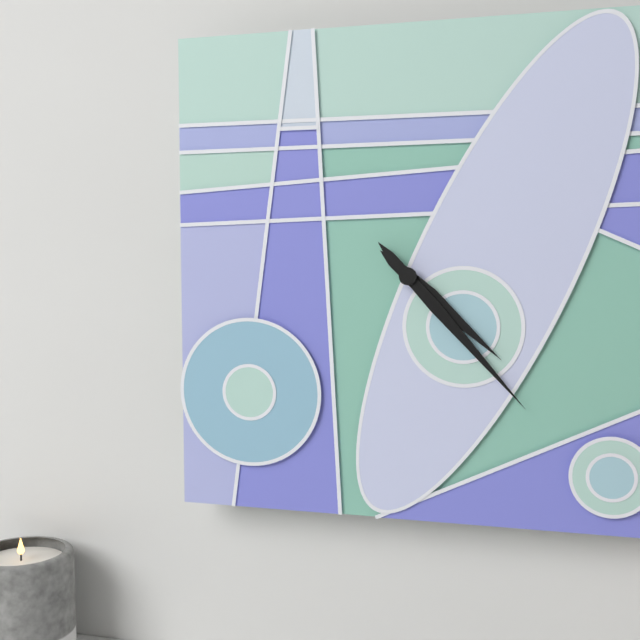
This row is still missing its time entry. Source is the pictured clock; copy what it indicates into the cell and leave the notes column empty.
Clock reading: 4:23
